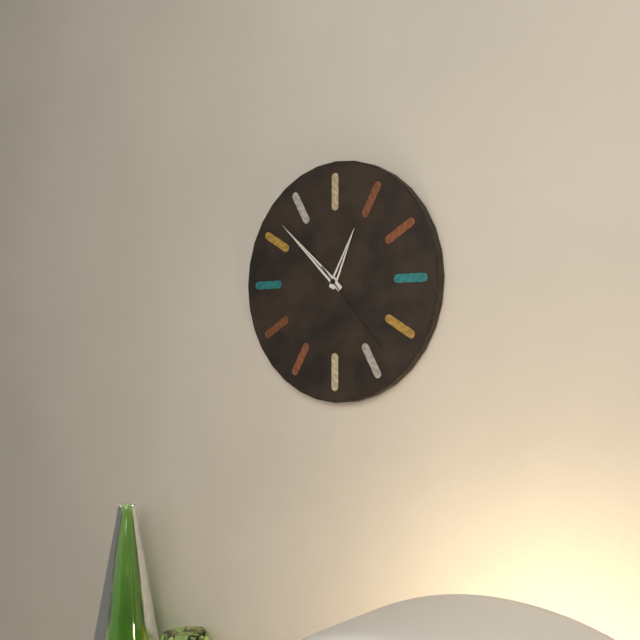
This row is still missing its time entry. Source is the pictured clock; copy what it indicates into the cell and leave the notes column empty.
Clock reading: 12:52:23
